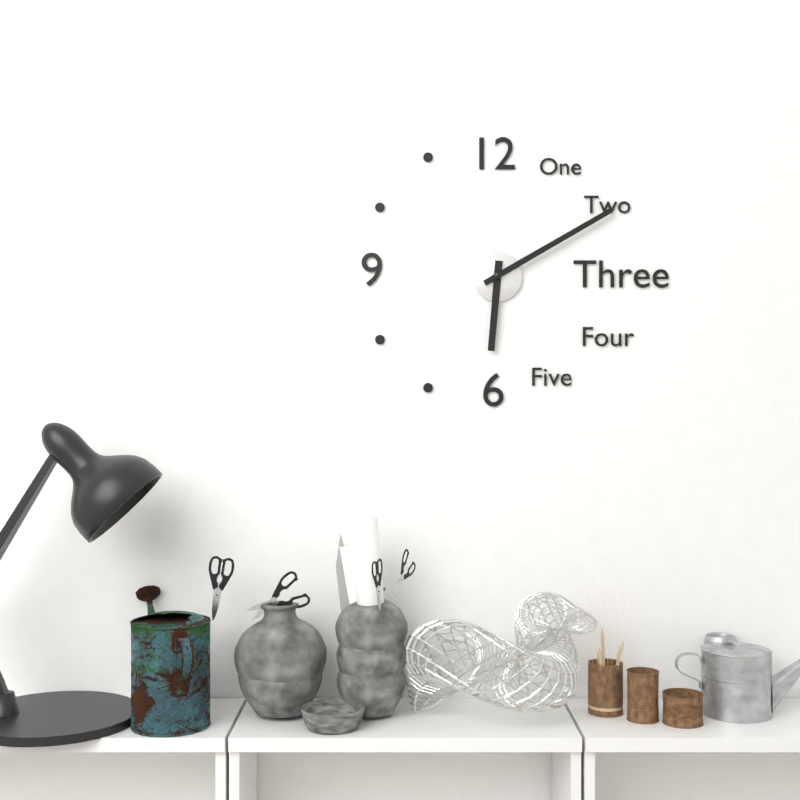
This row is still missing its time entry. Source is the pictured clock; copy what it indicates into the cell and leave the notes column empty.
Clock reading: 6:10
